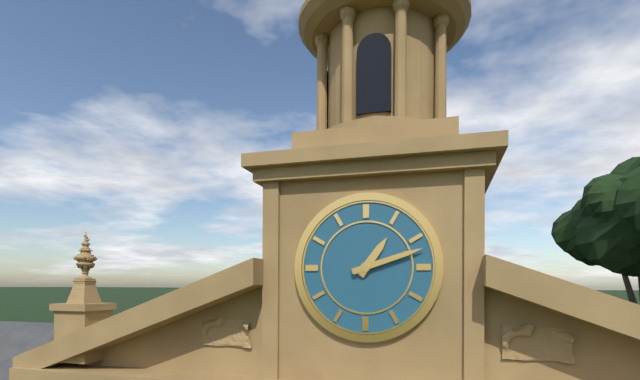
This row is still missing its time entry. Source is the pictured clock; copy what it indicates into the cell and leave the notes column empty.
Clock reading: 1:12
